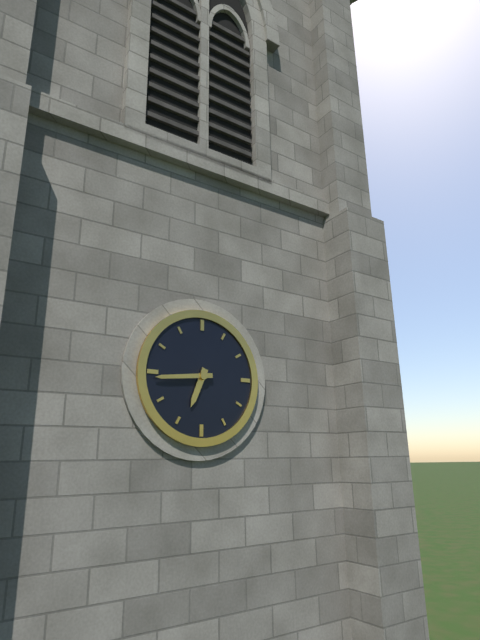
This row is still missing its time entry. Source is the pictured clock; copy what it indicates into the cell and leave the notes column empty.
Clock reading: 6:44
